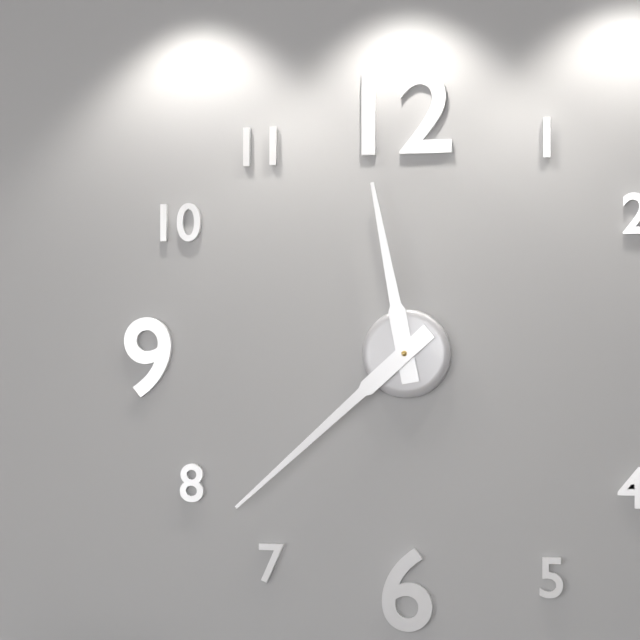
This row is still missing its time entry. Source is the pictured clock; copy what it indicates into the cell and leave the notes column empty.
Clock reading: 11:38
